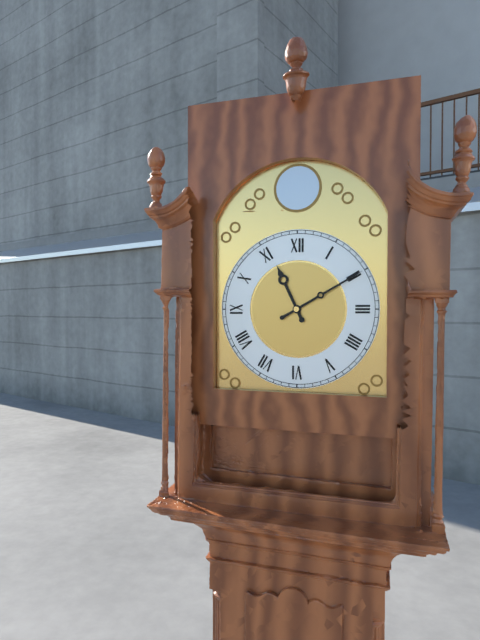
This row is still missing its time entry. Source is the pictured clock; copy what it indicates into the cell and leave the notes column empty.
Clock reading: 11:10
